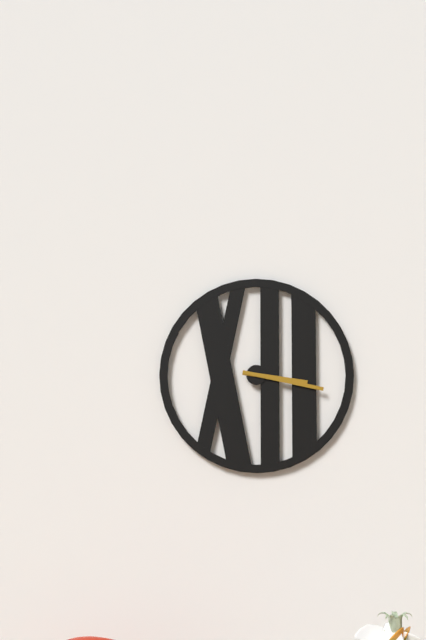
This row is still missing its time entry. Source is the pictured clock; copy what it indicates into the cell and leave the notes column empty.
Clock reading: 3:17
